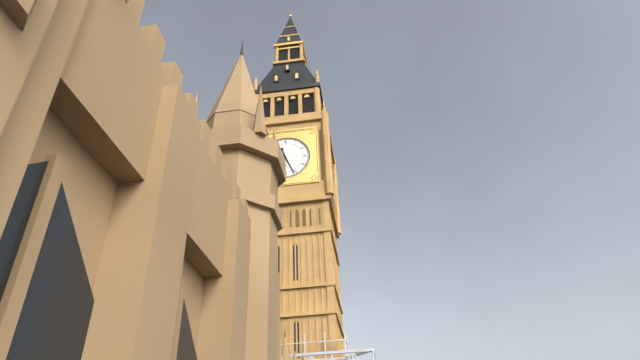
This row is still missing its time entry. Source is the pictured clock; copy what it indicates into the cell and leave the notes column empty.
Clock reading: 11:26
